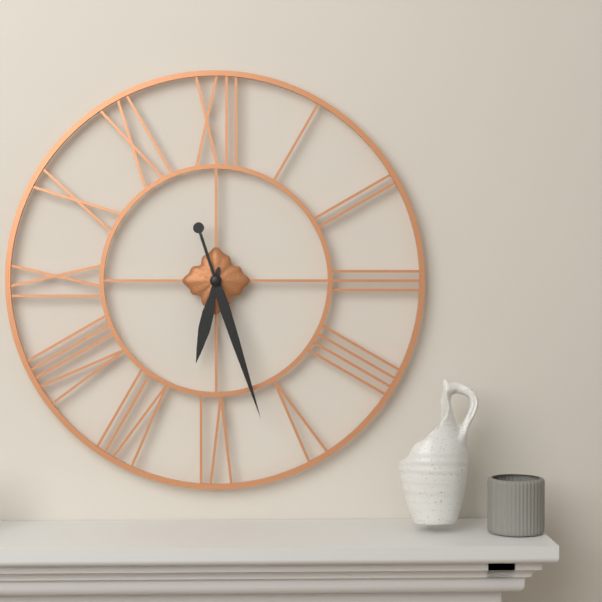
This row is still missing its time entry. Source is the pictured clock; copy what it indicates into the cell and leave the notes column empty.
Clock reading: 6:27
